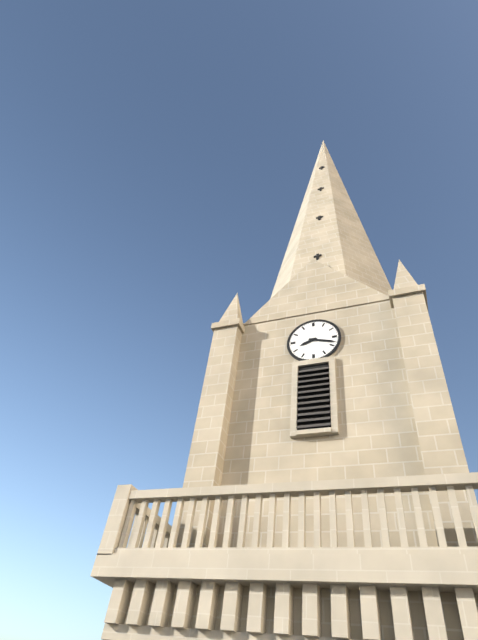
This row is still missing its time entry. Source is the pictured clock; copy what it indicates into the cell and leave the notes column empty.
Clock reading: 8:18
